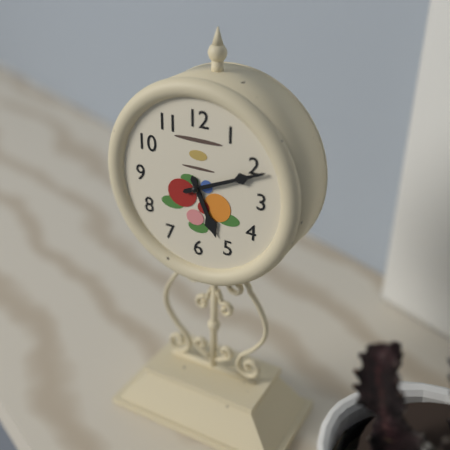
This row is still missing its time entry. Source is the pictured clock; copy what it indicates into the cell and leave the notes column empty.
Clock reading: 5:11
